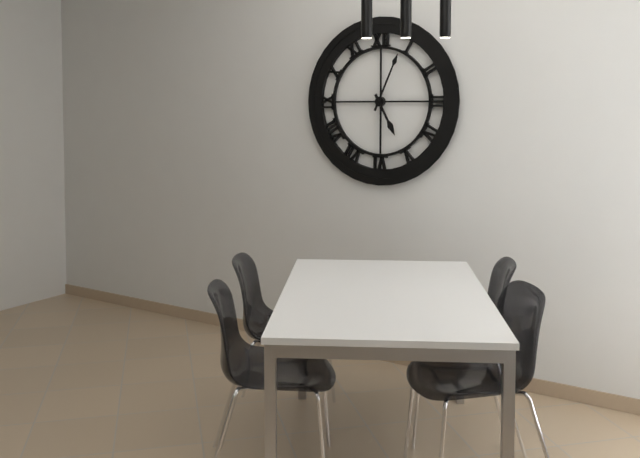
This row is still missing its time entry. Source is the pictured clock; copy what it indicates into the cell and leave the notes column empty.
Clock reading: 5:04
